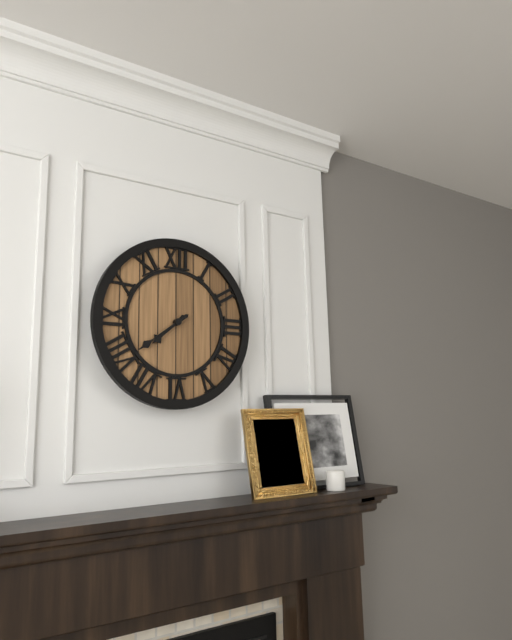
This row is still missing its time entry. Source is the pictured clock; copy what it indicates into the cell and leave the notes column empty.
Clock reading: 7:39
